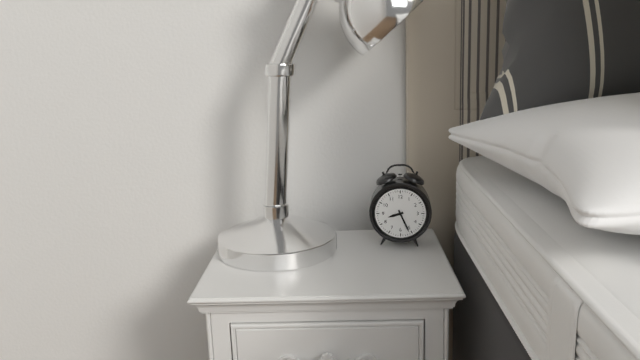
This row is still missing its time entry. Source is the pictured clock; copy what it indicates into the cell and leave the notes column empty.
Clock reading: 8:26
